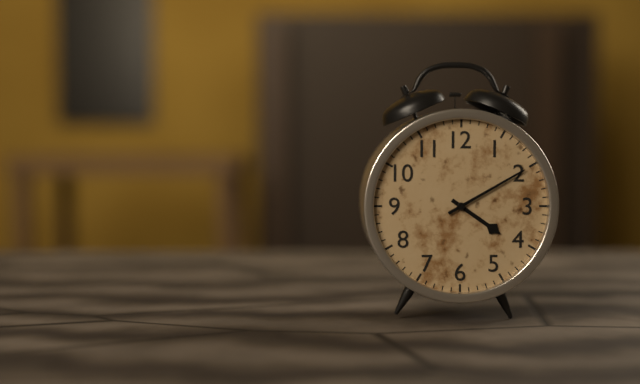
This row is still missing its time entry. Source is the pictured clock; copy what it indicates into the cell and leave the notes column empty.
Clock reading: 4:10
